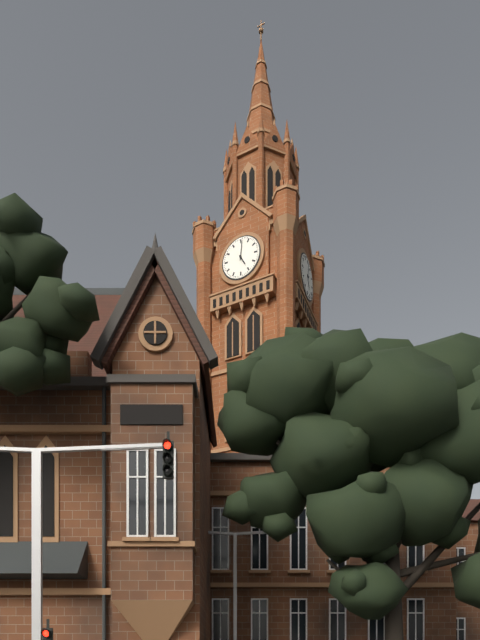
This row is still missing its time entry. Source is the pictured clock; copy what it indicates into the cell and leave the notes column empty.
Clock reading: 5:01
